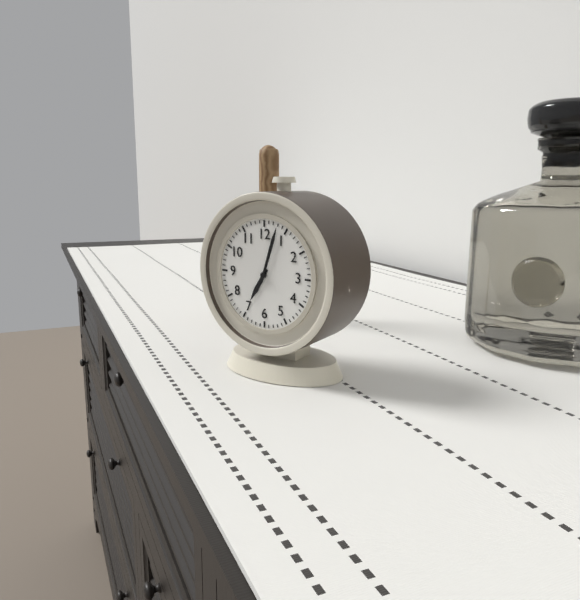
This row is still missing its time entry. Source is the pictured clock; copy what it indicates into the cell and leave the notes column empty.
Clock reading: 7:03
